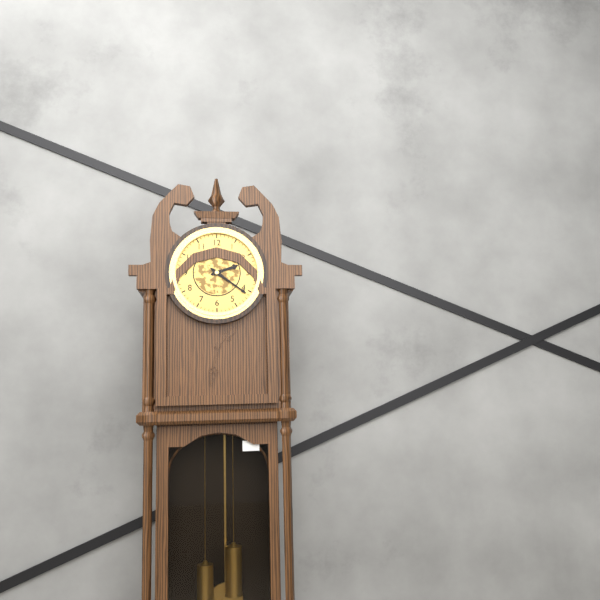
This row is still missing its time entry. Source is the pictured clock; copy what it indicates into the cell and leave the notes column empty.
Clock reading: 2:21
